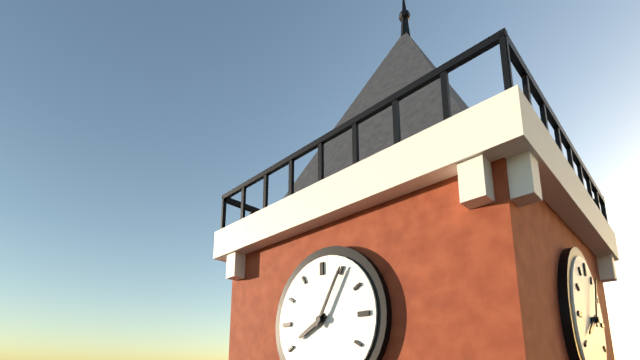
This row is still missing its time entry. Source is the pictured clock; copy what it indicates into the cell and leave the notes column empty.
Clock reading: 8:05
